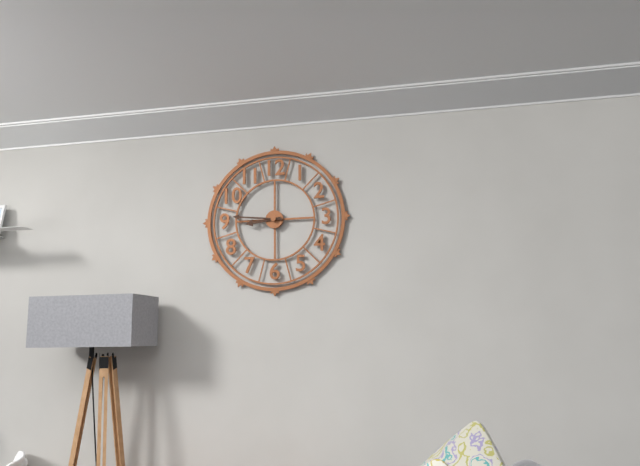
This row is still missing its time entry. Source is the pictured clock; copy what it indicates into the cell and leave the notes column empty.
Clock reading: 8:46
